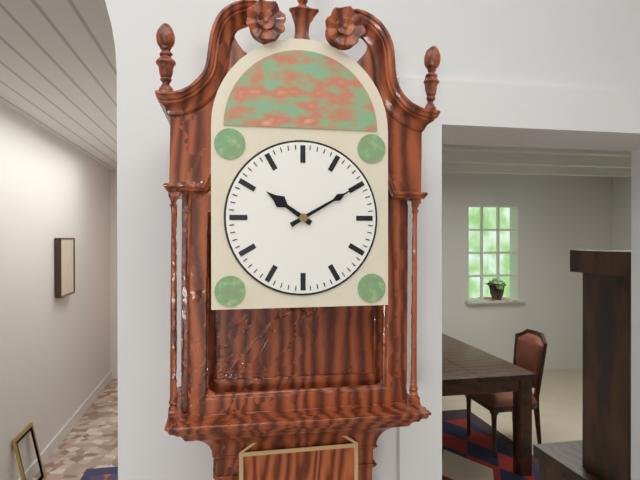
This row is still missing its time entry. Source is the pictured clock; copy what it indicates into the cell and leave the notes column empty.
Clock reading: 10:10
